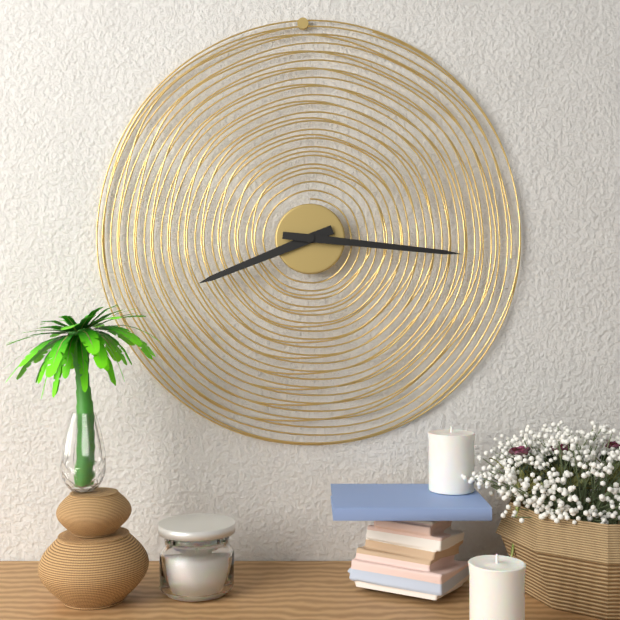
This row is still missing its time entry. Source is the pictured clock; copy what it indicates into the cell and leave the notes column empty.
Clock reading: 8:16
